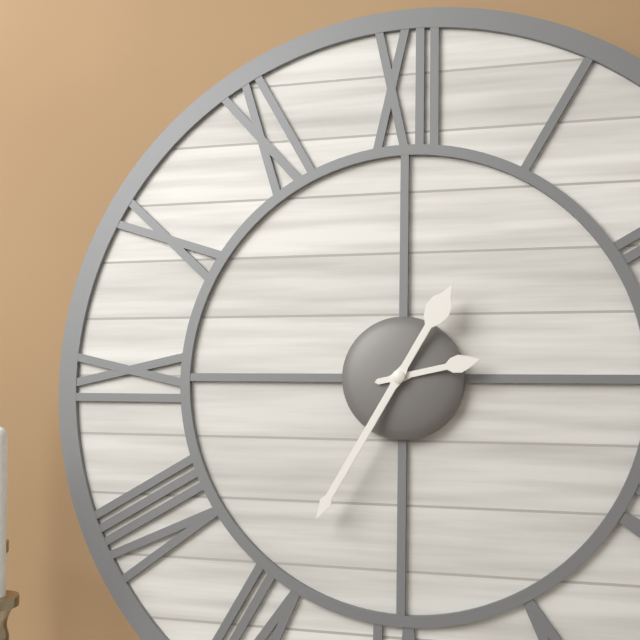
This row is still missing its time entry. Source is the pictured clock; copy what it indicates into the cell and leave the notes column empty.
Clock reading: 2:35
